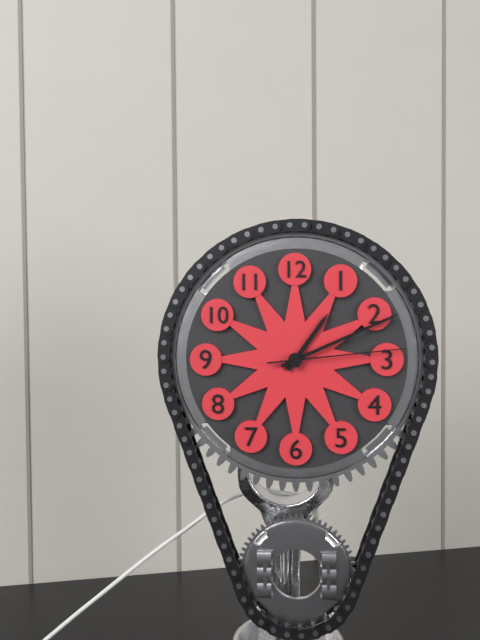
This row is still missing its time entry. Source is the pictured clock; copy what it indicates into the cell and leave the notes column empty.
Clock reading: 1:11:14
